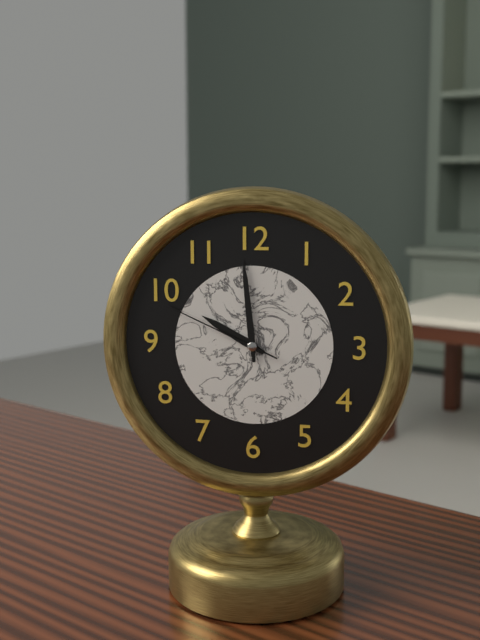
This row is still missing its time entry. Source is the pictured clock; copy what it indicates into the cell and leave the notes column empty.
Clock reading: 9:59:49
